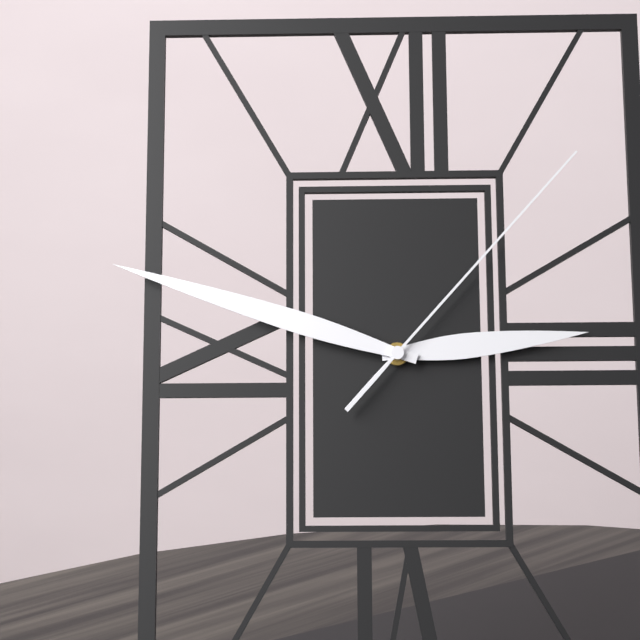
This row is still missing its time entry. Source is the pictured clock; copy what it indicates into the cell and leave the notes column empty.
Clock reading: 2:48:07
